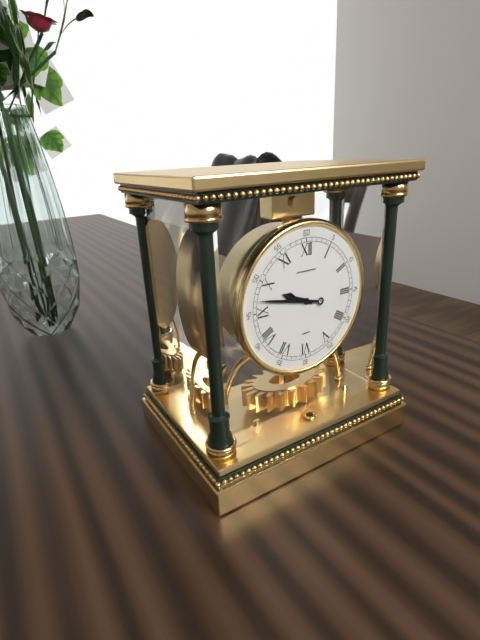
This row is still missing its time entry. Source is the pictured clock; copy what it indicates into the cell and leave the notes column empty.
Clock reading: 9:47
